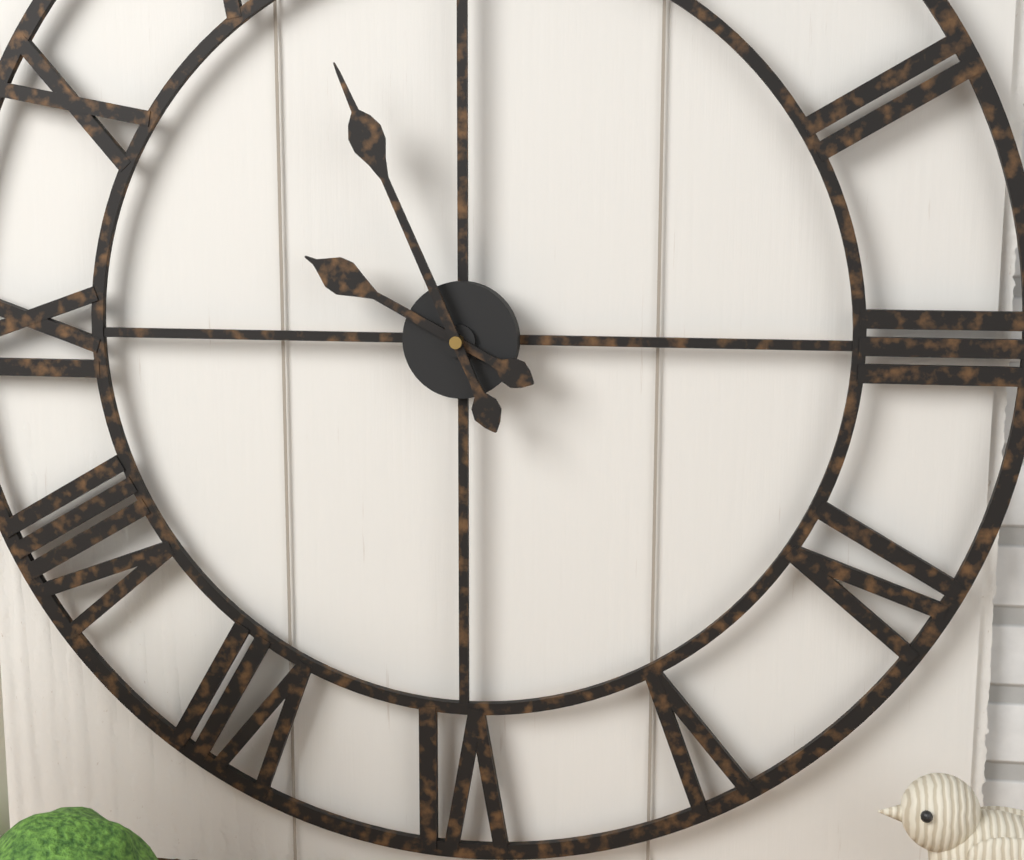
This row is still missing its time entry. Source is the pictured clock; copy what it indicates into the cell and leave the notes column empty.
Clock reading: 9:56
